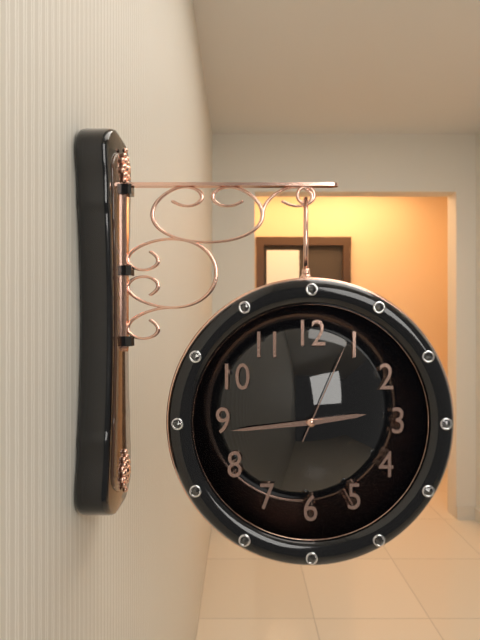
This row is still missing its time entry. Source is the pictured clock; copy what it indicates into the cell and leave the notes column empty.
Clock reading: 2:44:04
